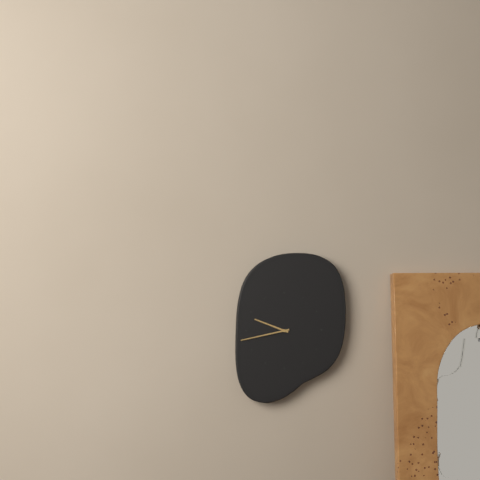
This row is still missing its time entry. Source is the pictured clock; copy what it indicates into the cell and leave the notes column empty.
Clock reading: 9:43
